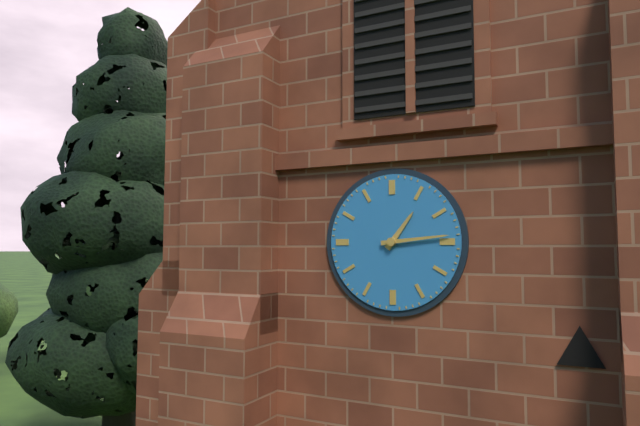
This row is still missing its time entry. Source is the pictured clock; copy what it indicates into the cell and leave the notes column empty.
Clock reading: 1:14
